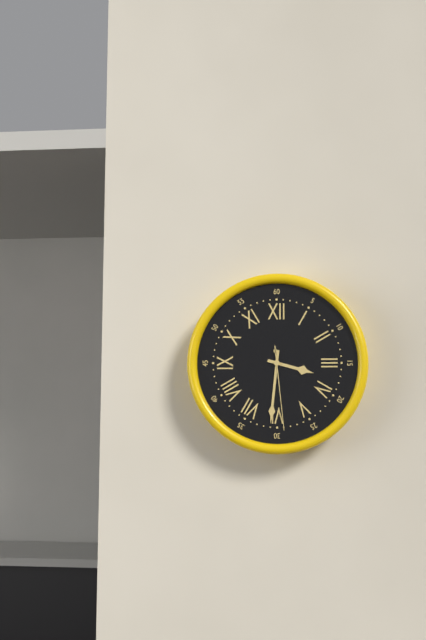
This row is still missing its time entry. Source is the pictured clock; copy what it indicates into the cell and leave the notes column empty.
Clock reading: 3:31:29
